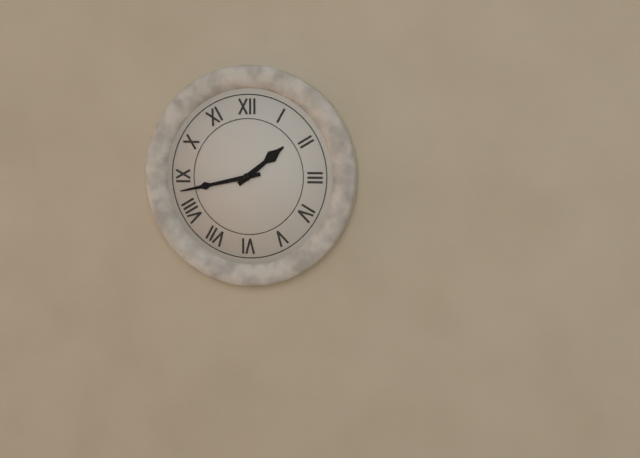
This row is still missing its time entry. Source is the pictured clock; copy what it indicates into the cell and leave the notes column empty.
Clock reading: 1:43
